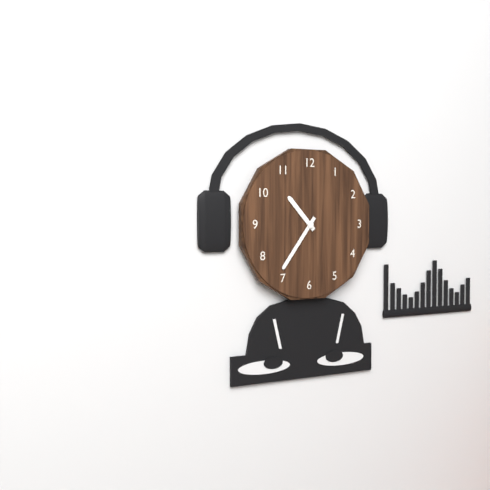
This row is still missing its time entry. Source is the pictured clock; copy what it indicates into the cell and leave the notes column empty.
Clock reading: 10:36
